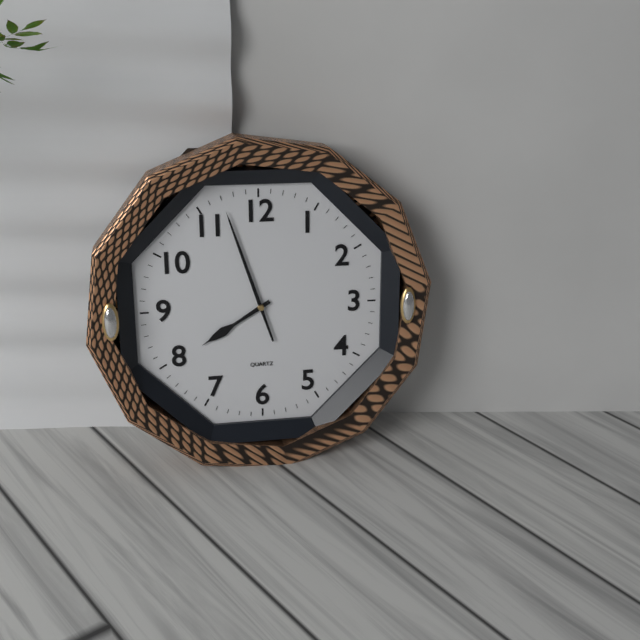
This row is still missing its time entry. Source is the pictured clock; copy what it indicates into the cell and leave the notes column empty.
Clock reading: 7:57
